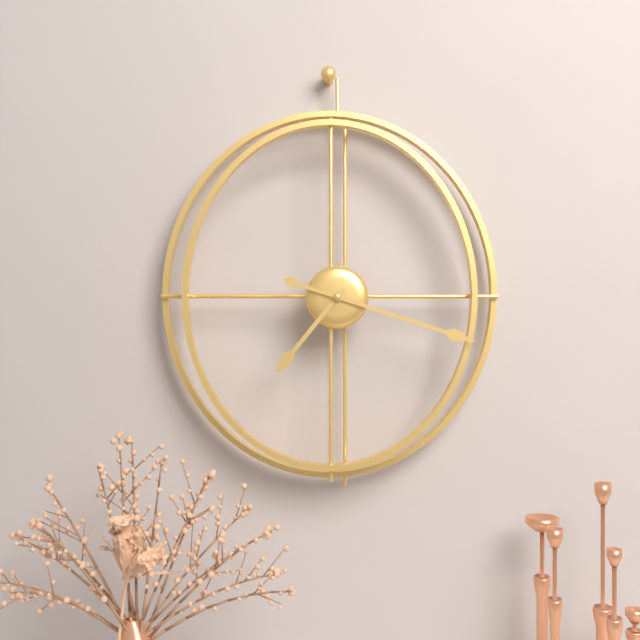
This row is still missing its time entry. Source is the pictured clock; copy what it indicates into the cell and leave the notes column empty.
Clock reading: 7:18
